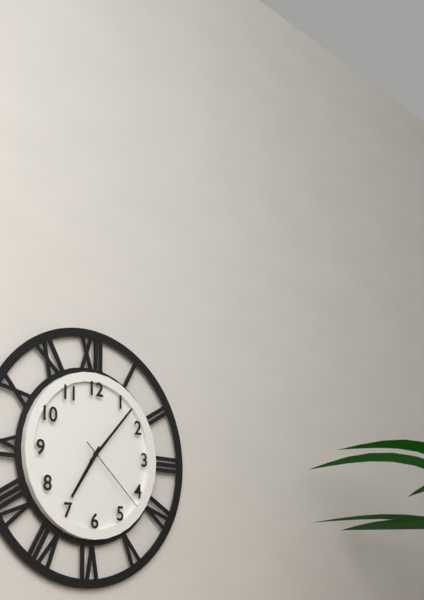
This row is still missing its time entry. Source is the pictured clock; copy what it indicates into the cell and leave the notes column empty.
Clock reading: 7:07:22
